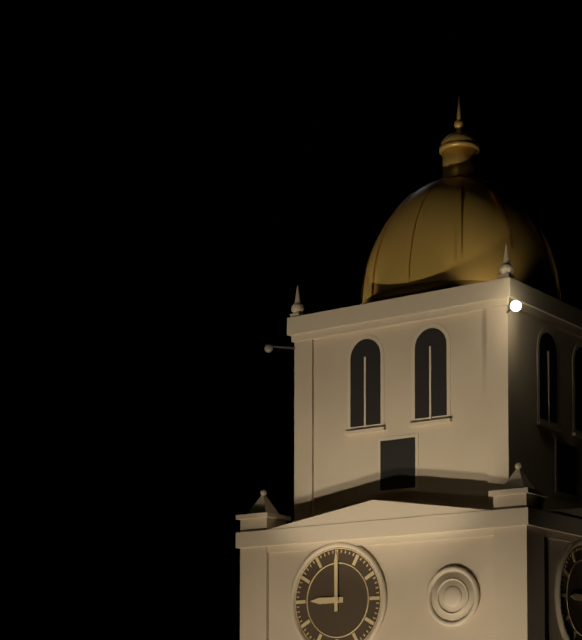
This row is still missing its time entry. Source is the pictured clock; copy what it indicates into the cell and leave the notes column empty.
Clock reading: 9:00
